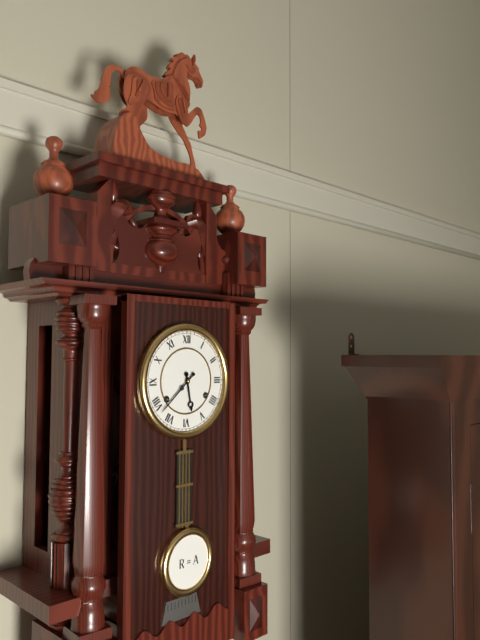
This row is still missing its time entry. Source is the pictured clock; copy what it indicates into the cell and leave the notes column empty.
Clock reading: 5:38
